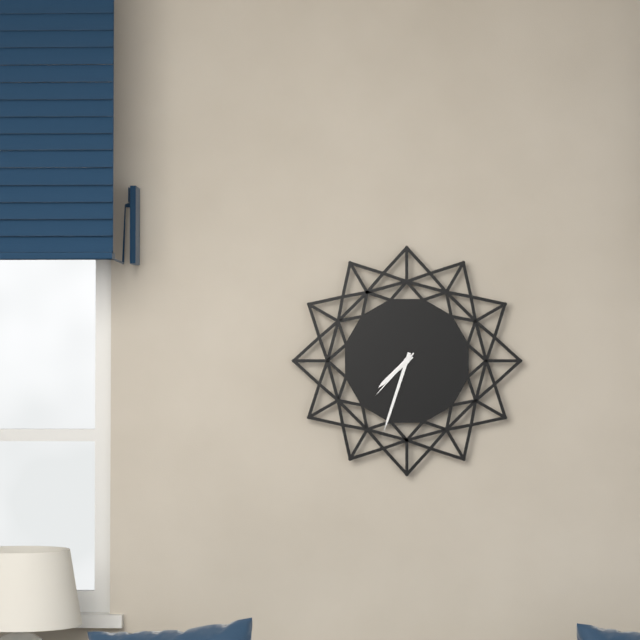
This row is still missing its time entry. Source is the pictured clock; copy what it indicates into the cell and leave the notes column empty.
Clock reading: 7:33:37
